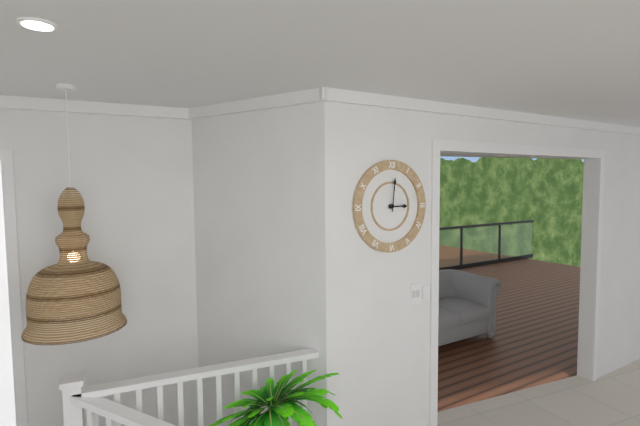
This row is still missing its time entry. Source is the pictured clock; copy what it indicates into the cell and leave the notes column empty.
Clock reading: 3:01
